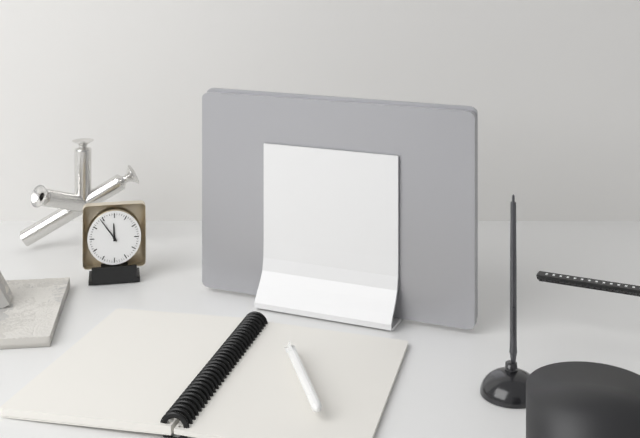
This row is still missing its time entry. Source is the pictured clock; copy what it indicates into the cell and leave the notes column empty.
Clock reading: 11:54
